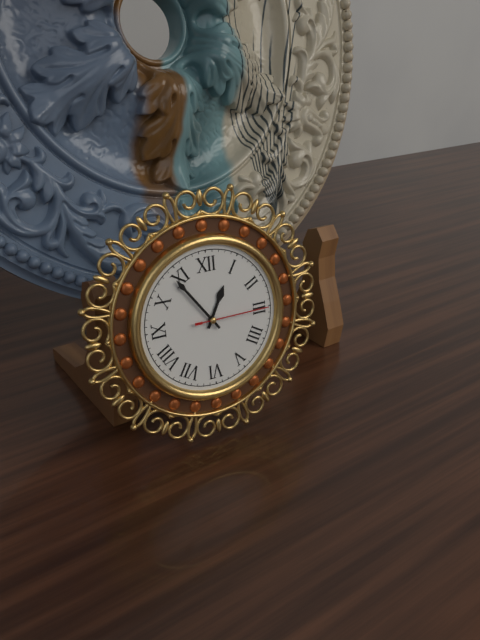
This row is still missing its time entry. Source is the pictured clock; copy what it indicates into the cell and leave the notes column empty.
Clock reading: 12:54:15
